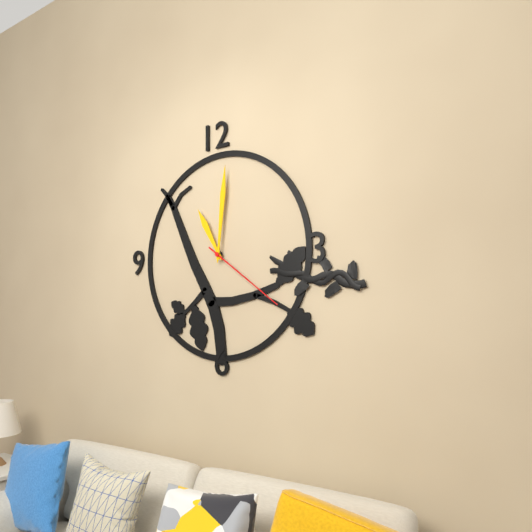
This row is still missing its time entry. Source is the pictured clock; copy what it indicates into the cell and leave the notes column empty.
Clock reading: 11:01:21
